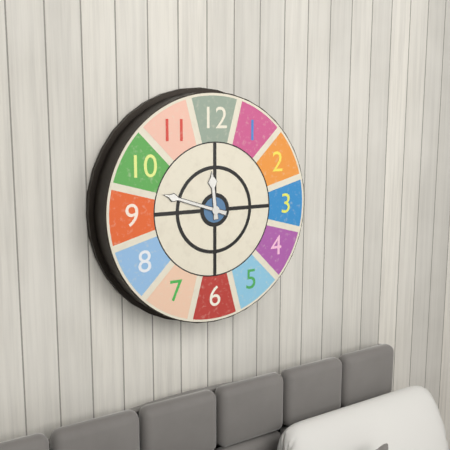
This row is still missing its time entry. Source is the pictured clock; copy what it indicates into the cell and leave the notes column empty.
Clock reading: 11:48
